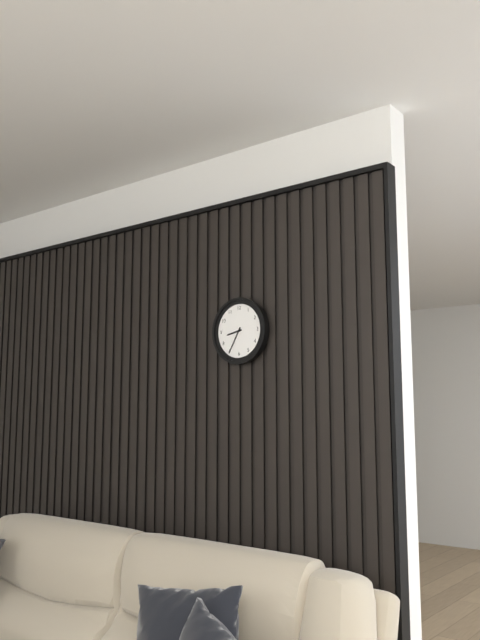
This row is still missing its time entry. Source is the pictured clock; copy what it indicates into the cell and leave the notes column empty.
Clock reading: 8:35
